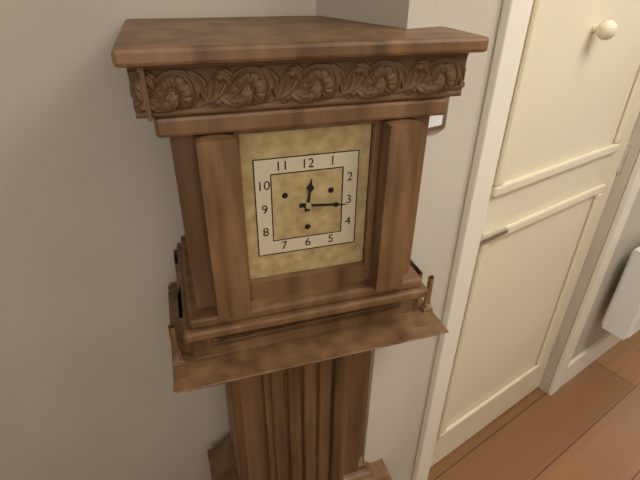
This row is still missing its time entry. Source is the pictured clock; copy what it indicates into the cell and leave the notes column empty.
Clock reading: 12:16
